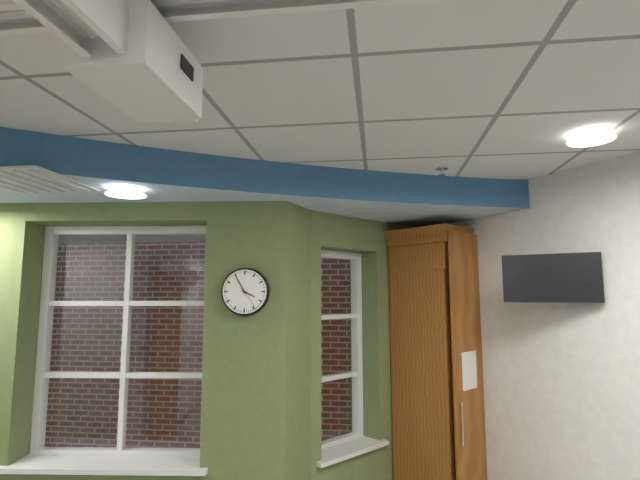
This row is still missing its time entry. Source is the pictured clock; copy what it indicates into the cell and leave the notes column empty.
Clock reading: 3:55
